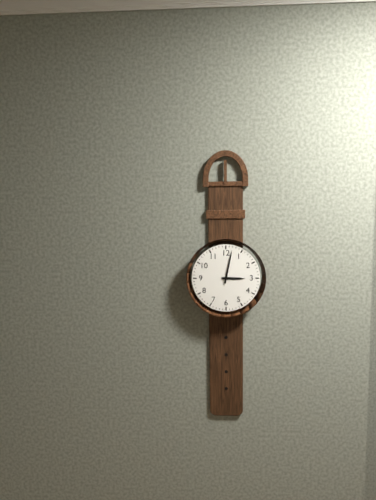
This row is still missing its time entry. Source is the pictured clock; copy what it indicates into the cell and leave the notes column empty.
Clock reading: 3:02
